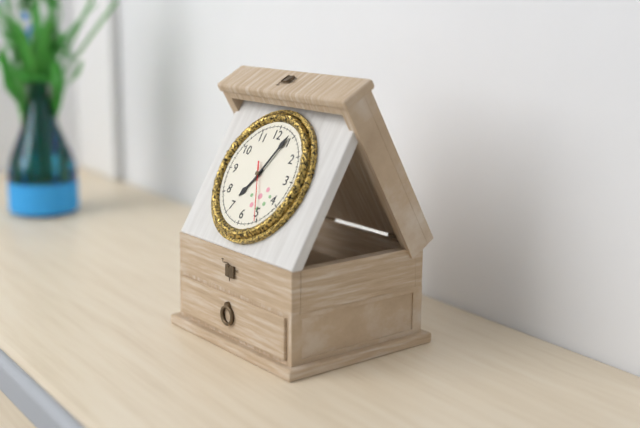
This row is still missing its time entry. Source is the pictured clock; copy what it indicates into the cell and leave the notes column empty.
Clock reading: 7:04:25
